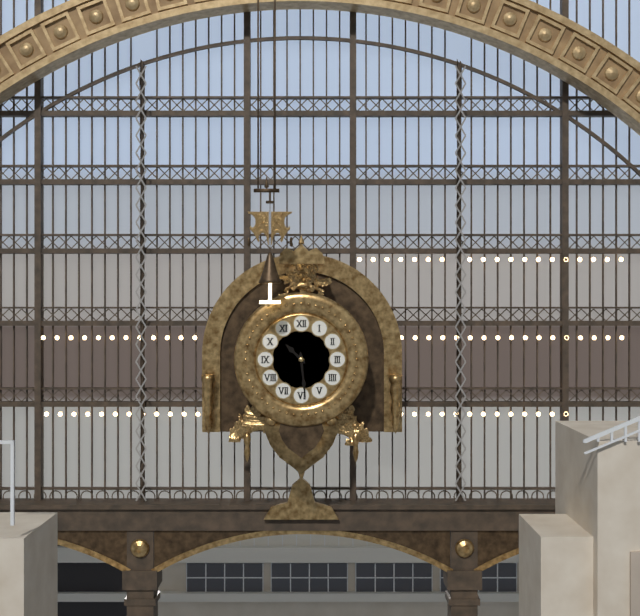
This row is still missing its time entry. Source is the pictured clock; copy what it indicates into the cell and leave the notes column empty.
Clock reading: 10:29
